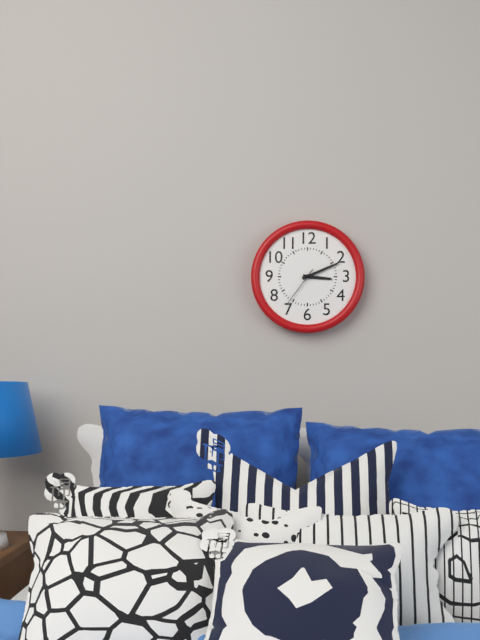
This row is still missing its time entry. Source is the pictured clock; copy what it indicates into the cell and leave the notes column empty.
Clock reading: 3:11
